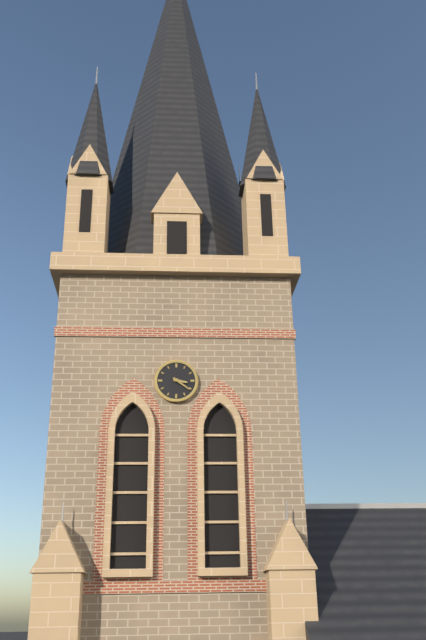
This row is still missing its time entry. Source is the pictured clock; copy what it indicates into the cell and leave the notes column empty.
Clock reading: 3:21
